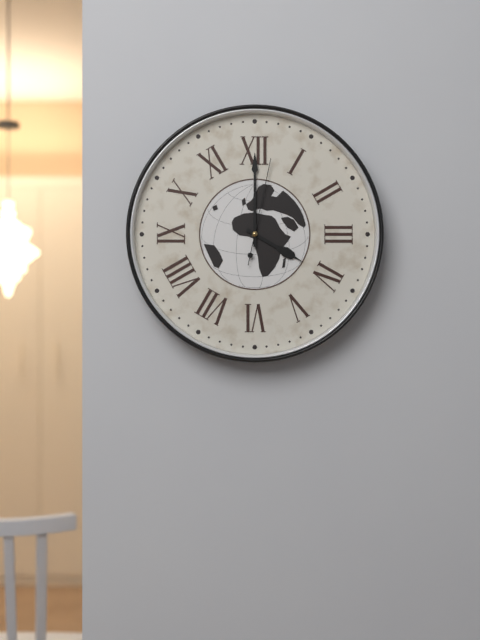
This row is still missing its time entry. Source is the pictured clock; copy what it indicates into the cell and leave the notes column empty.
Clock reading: 4:00:02
